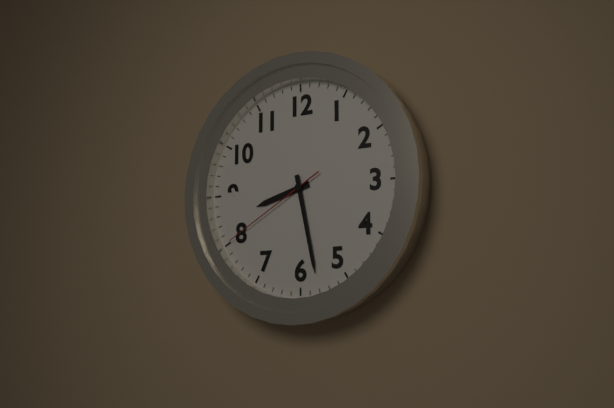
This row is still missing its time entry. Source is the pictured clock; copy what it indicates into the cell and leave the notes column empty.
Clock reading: 8:28:40
